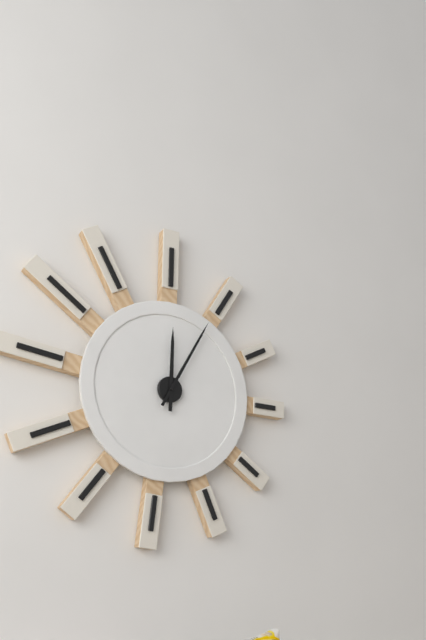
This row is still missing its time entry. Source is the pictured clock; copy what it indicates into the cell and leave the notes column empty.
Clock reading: 12:05
